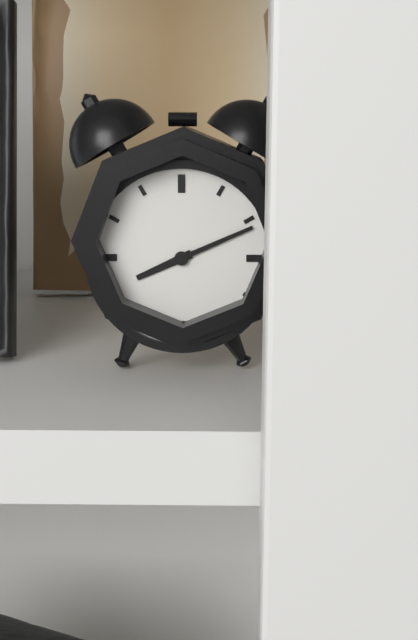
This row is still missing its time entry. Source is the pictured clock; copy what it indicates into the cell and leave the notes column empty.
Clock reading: 8:11
